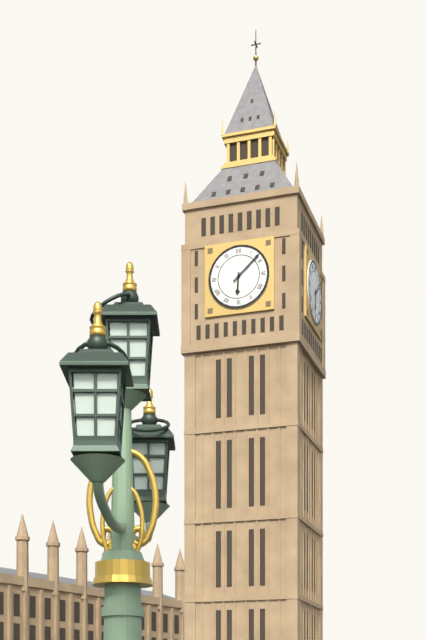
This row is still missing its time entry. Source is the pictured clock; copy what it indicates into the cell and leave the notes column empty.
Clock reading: 6:08
